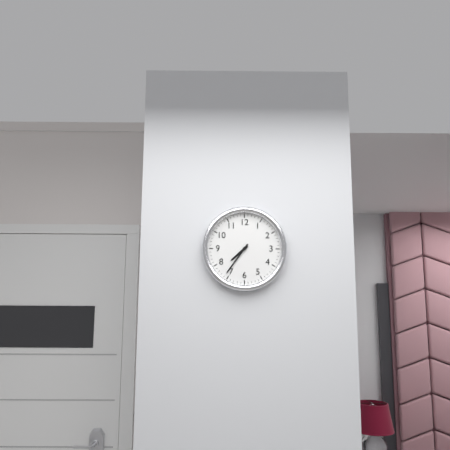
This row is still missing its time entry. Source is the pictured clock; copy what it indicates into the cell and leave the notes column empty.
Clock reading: 7:36
